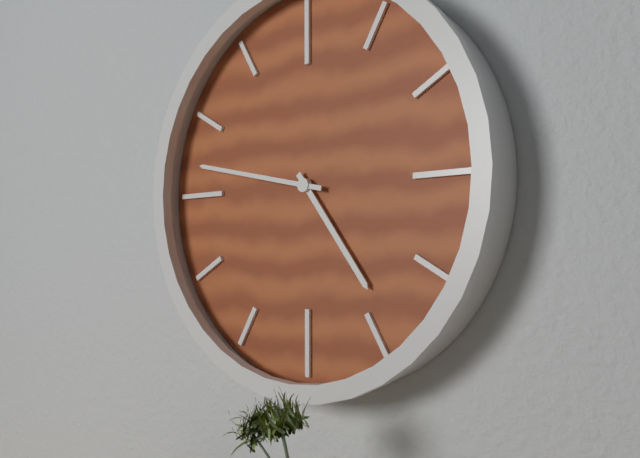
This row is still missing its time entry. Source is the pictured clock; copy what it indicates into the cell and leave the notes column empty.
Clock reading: 4:47
